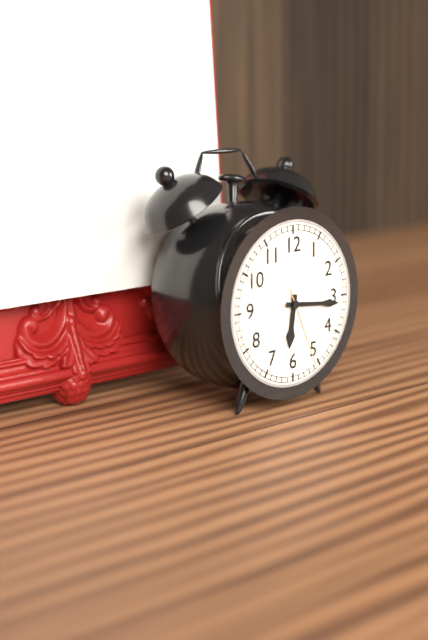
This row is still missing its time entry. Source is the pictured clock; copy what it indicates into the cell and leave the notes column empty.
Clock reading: 6:16:26
